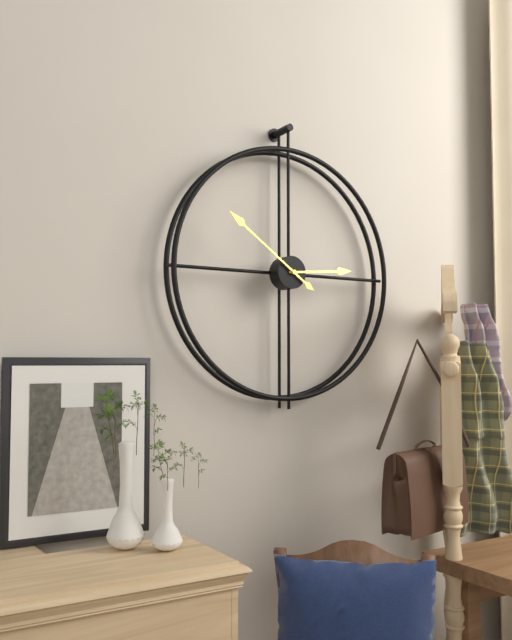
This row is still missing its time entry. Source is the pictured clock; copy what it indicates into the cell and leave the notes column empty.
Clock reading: 2:51
